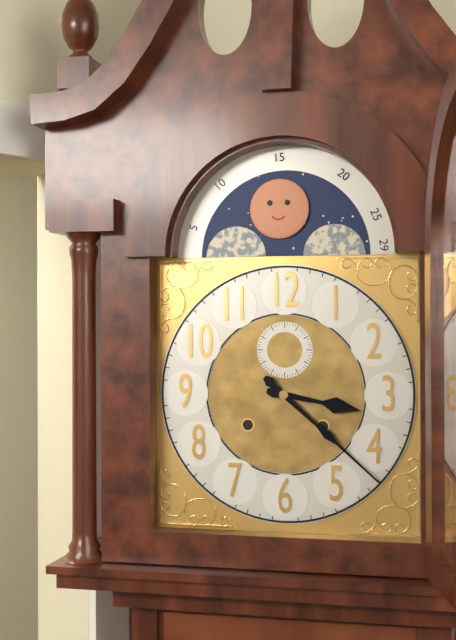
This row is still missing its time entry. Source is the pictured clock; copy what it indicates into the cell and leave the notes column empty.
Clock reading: 3:22
